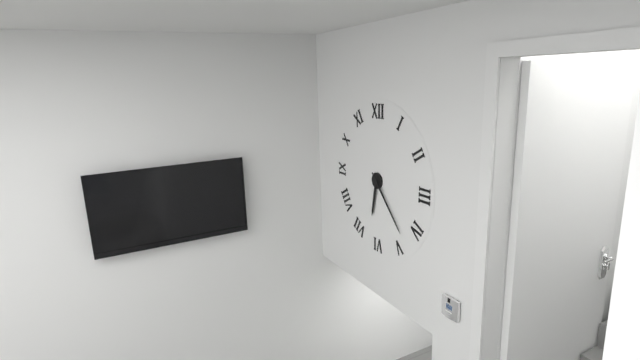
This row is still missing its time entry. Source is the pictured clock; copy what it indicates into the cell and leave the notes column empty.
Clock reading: 6:23
